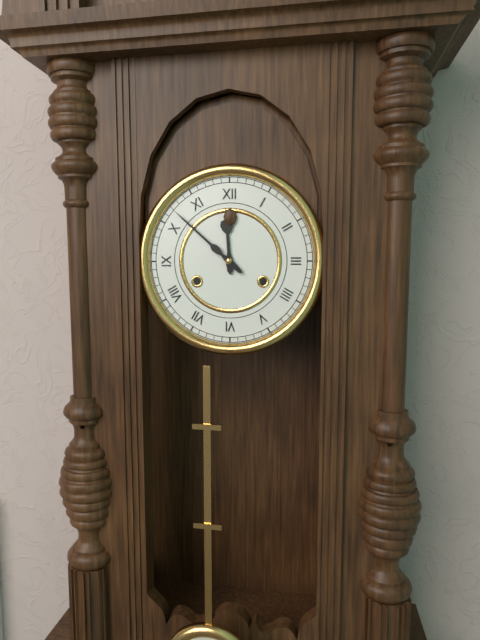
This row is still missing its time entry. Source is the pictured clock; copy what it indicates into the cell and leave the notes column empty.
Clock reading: 11:52
